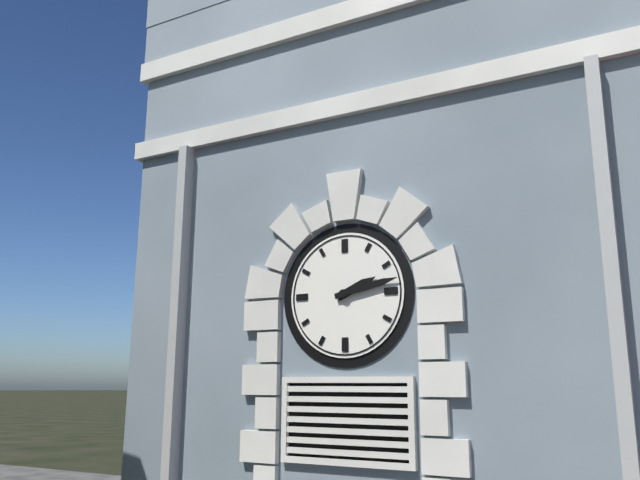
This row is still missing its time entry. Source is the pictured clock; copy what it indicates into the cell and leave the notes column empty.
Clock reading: 2:13
